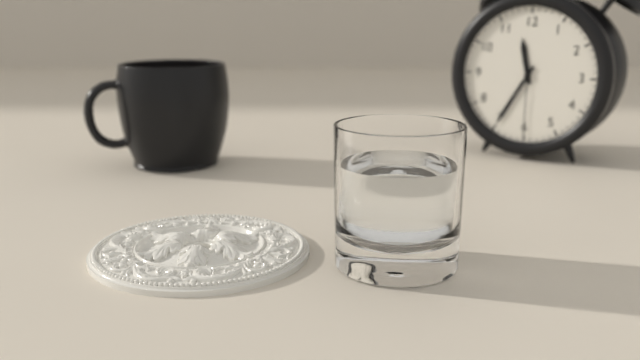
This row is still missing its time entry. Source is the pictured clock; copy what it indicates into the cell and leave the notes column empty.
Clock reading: 11:35:30
